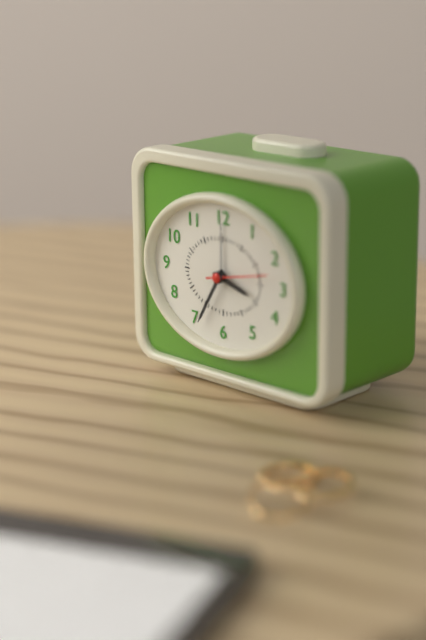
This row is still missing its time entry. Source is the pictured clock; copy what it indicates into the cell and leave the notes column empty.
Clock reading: 3:35
